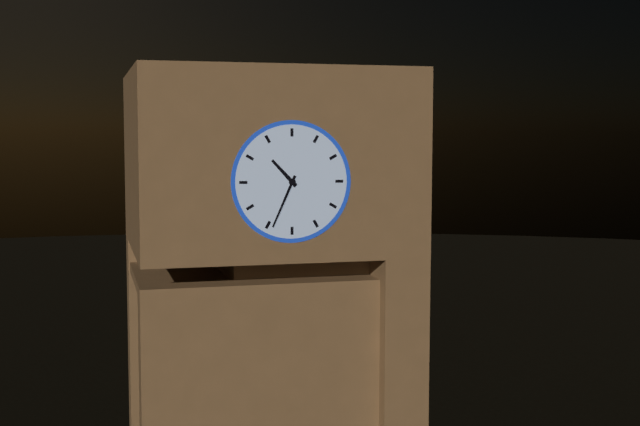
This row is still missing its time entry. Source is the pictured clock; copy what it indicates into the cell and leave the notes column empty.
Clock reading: 10:34
